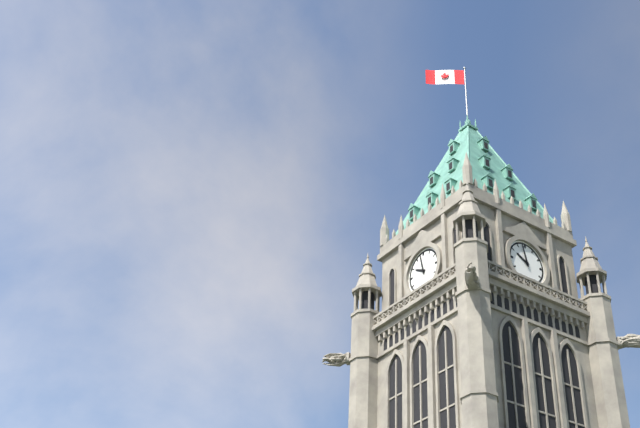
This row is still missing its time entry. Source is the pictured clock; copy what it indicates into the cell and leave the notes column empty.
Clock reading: 9:58
